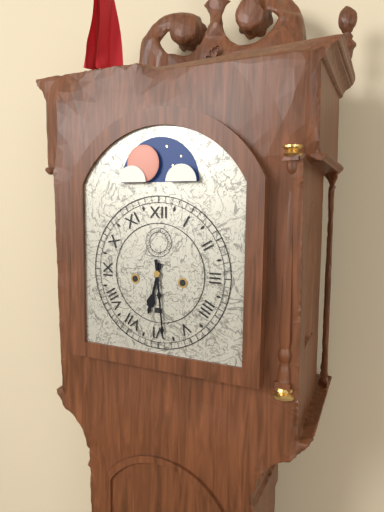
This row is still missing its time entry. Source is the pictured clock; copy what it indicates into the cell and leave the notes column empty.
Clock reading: 6:29
